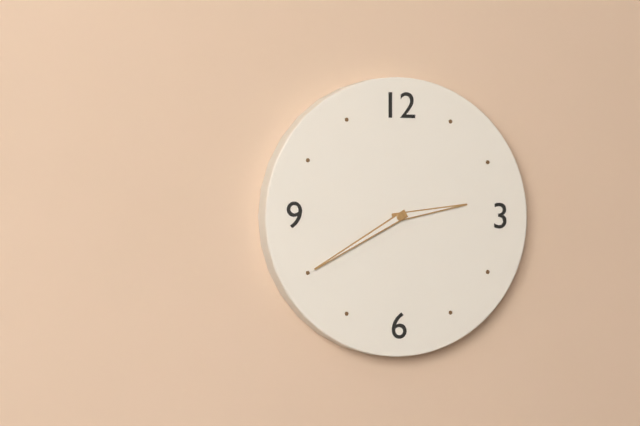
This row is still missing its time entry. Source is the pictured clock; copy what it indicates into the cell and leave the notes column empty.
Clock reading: 2:40
